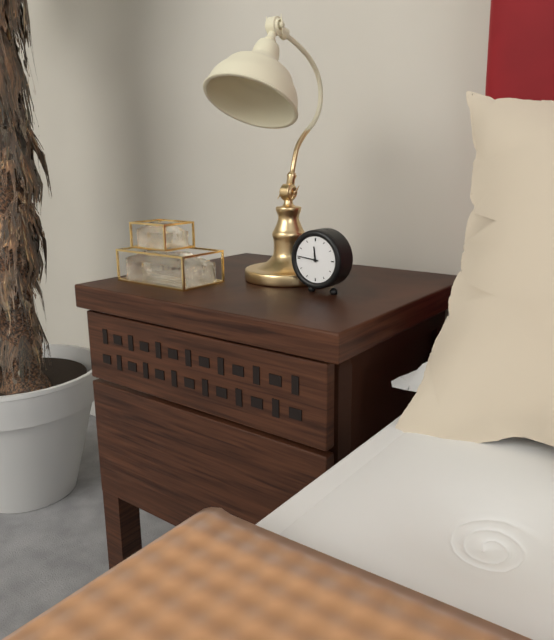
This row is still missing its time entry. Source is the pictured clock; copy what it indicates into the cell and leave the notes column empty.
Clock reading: 11:46
